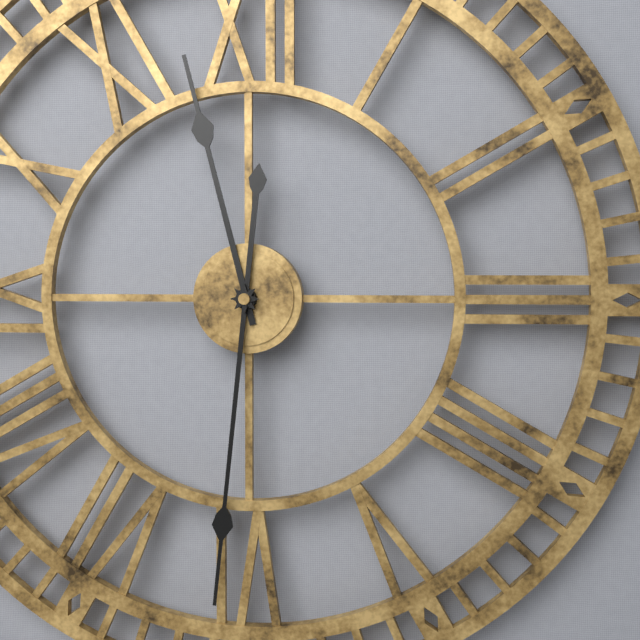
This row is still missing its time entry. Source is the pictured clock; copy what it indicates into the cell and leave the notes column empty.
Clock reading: 11:31
